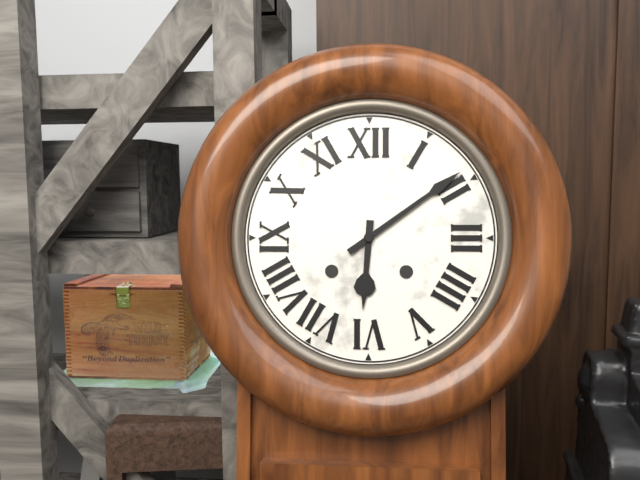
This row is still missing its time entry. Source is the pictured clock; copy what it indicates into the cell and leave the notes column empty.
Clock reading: 6:09
